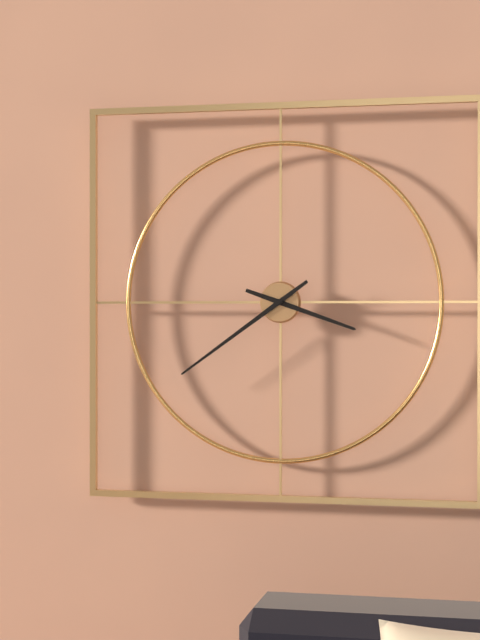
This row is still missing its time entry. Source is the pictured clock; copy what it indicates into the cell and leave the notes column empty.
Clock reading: 3:39
